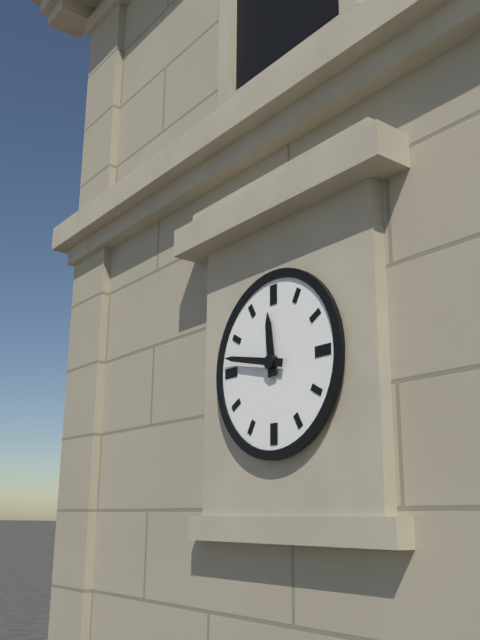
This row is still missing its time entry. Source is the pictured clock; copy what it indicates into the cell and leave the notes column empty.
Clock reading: 11:47
